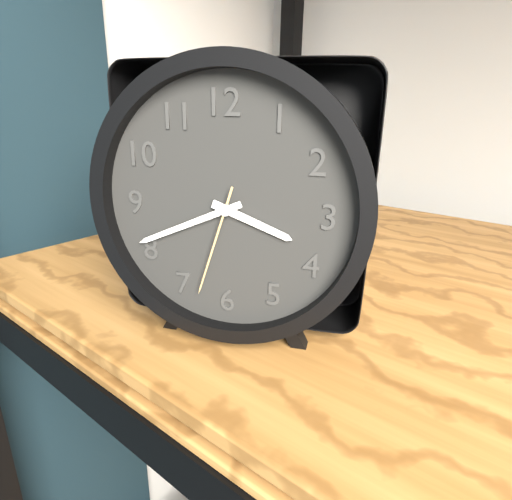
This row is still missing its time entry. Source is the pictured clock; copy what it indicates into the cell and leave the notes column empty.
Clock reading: 3:41:33
